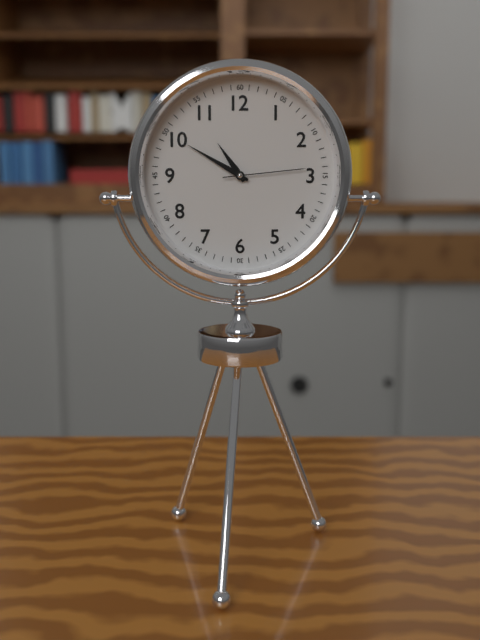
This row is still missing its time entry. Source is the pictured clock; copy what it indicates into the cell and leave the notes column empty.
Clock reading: 10:50:14
